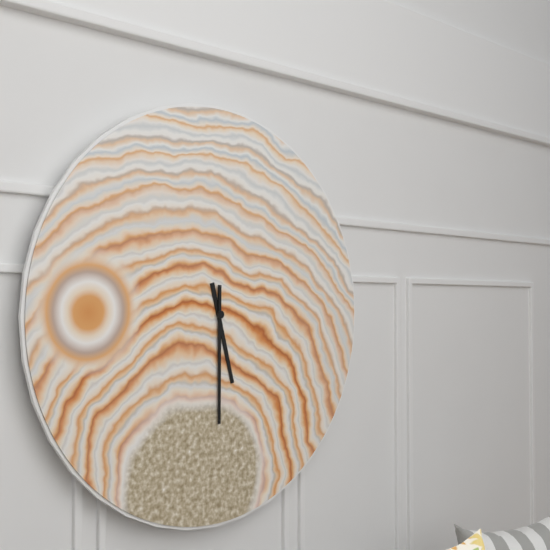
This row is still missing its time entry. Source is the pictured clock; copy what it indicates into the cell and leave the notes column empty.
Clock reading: 5:30
